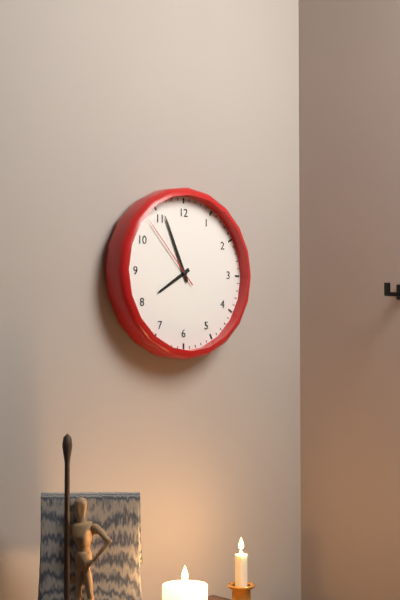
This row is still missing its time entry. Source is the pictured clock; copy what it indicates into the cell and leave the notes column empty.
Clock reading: 7:56:53
